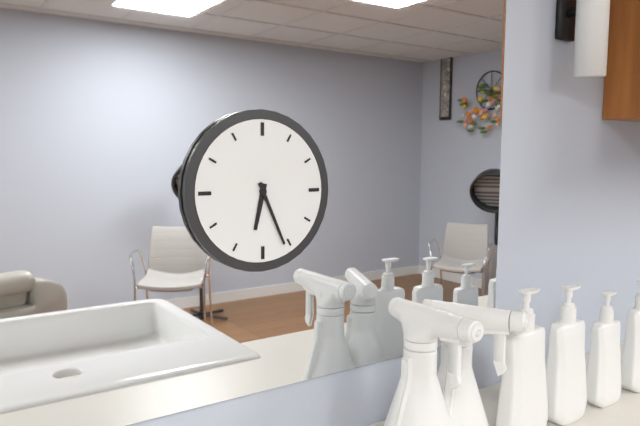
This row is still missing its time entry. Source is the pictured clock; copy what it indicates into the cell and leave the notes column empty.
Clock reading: 6:26
